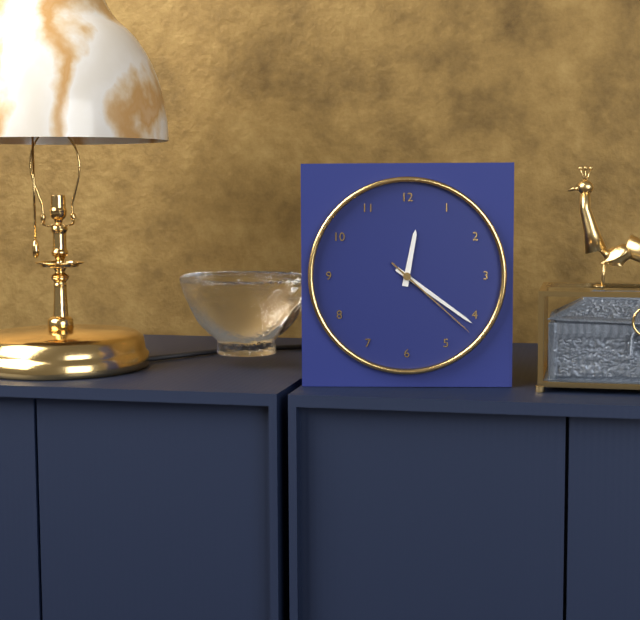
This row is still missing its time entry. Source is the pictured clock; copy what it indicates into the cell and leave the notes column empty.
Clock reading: 12:21:22
